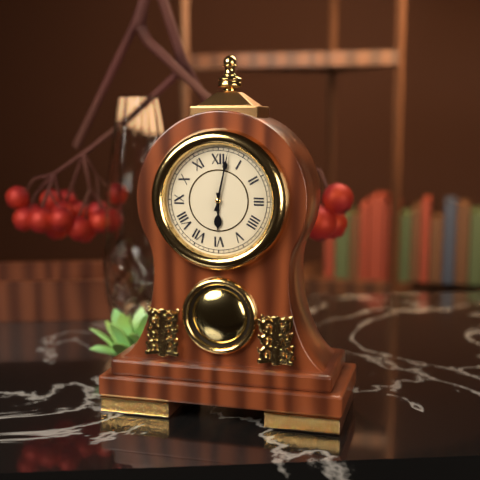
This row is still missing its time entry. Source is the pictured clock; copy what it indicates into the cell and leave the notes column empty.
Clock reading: 6:02
